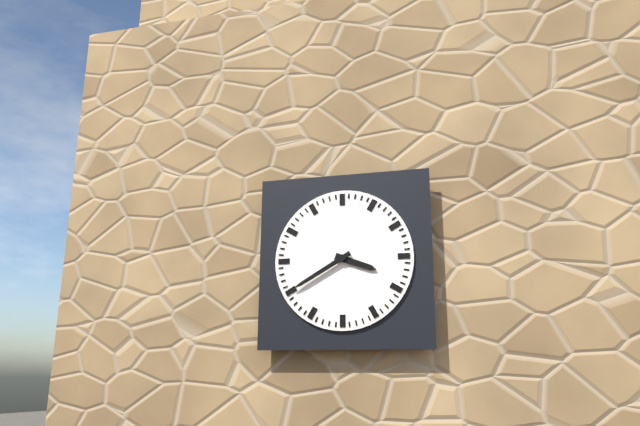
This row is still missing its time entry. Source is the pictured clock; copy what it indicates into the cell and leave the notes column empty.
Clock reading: 3:40
